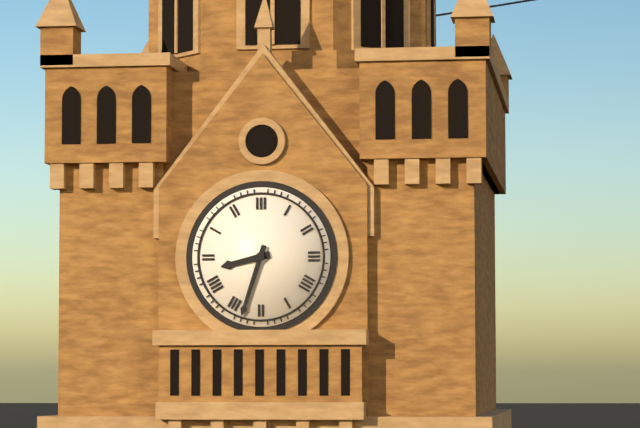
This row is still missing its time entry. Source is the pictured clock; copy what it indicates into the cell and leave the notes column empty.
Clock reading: 8:33
